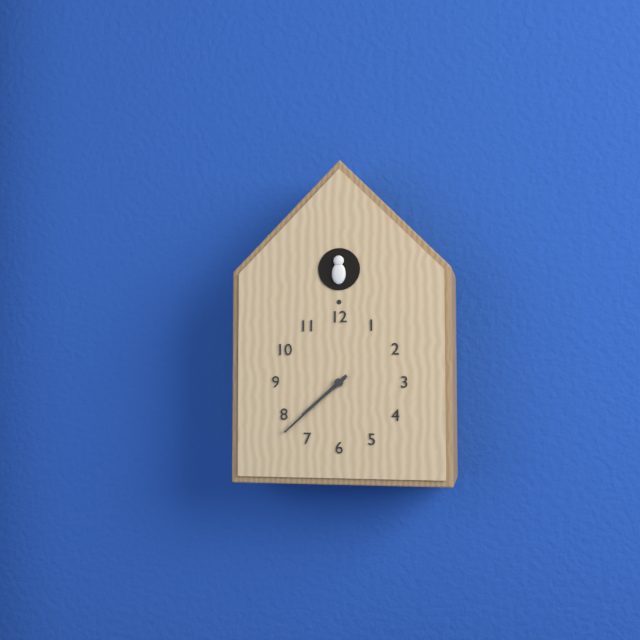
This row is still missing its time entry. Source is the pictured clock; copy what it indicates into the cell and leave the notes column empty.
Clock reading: 7:38
